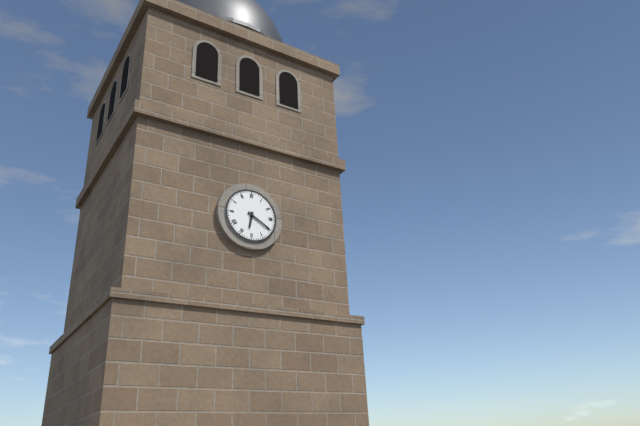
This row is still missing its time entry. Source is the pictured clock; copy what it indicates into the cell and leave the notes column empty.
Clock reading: 6:20
